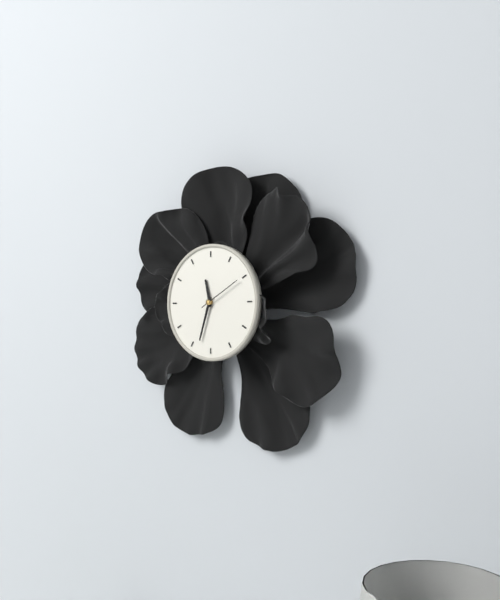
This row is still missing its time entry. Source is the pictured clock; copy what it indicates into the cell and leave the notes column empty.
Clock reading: 11:33
